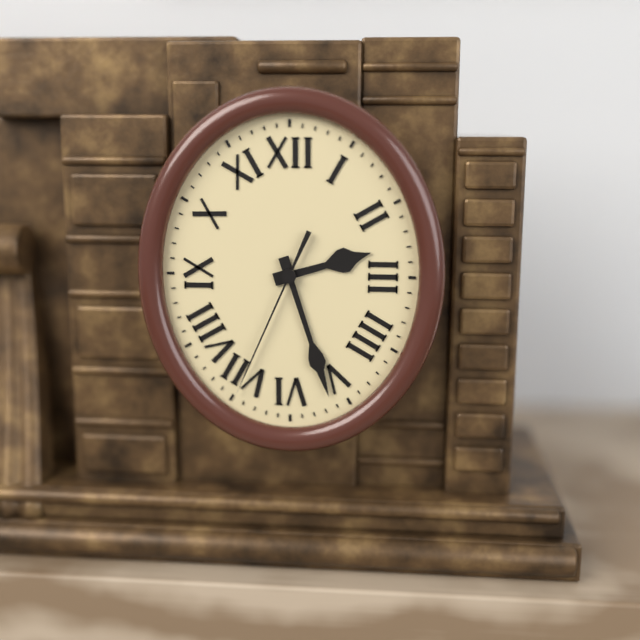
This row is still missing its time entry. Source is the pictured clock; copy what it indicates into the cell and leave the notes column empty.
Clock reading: 2:27:34
